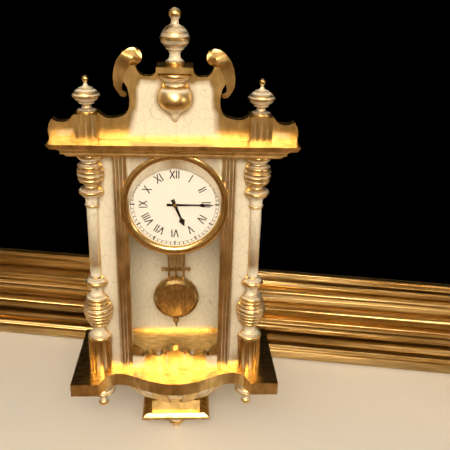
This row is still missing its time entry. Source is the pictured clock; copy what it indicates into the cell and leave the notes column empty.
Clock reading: 5:15
